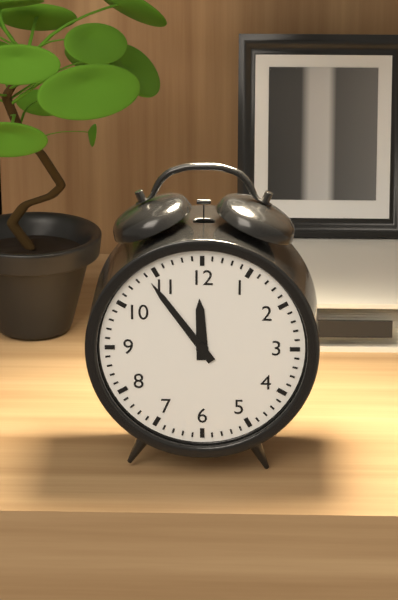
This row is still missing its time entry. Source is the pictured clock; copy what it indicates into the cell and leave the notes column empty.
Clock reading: 11:54
